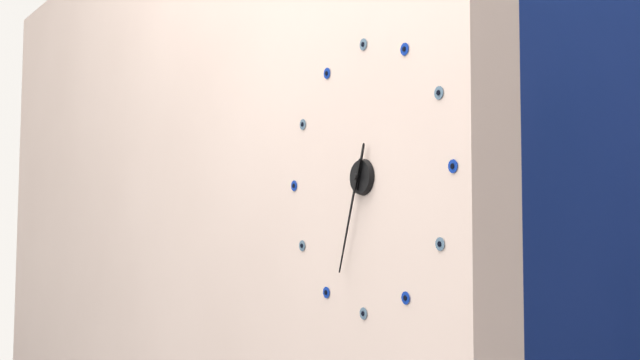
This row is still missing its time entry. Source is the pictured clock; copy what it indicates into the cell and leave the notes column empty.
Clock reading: 12:33
